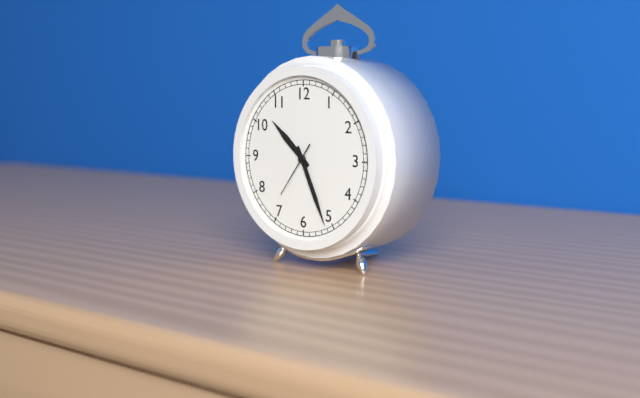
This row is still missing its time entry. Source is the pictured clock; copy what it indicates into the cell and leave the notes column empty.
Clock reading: 10:26:36
